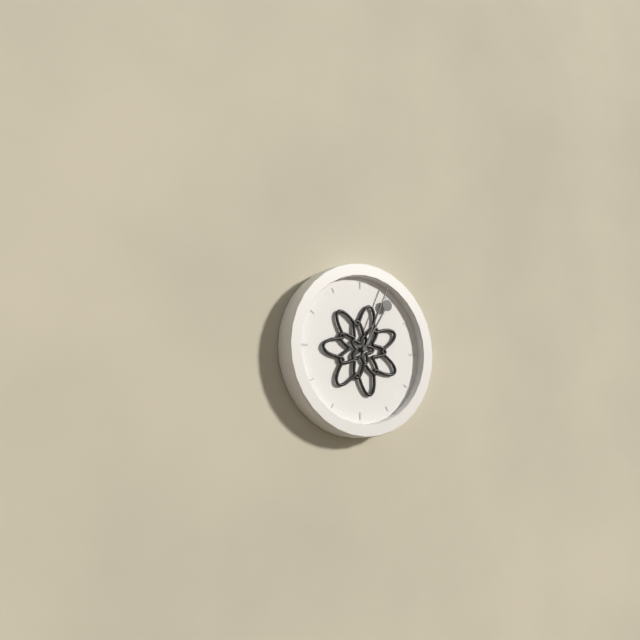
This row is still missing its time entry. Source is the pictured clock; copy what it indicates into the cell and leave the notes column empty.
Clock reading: 1:04
